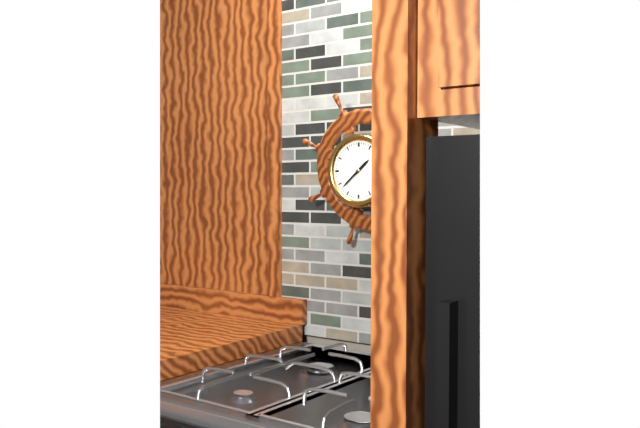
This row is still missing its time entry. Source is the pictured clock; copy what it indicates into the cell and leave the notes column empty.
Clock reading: 1:38
